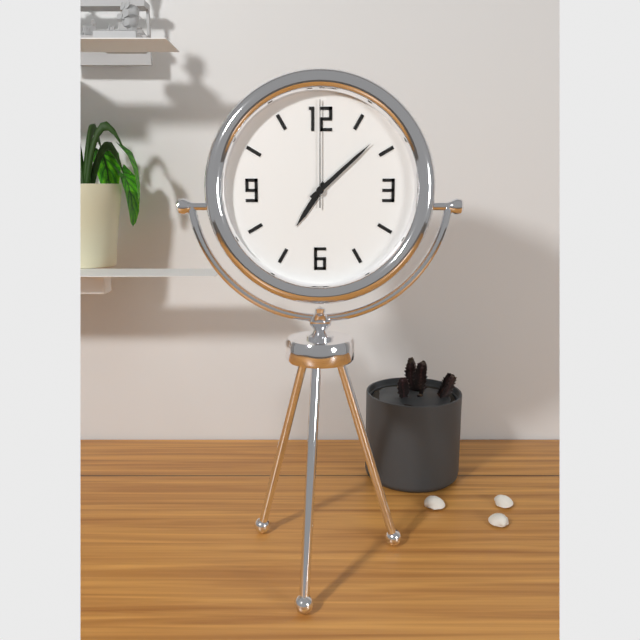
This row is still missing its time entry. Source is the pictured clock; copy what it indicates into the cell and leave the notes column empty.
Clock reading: 7:08:00
